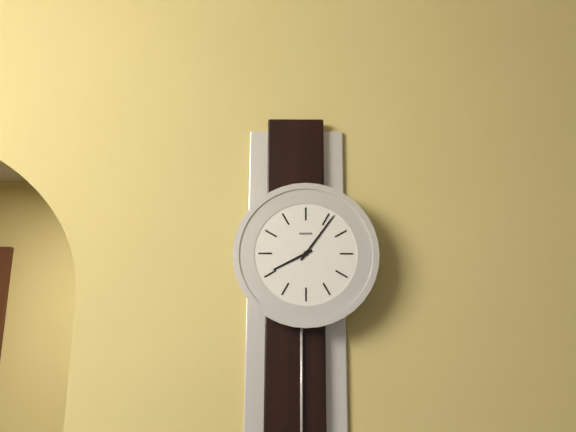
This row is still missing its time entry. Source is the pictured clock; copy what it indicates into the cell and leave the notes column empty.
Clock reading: 8:06
